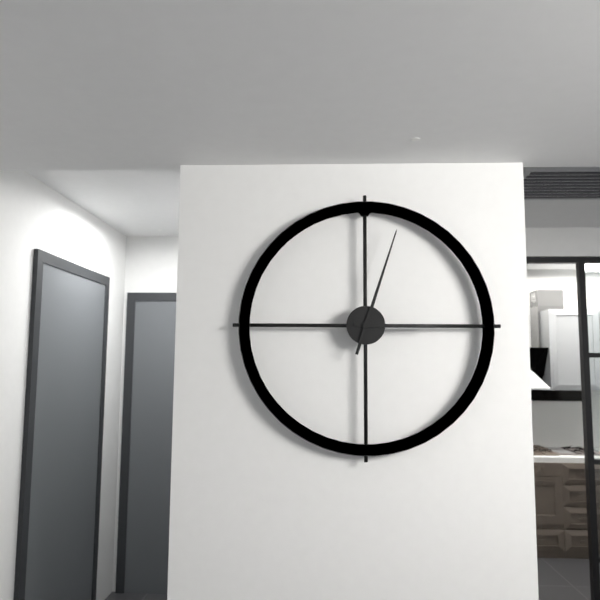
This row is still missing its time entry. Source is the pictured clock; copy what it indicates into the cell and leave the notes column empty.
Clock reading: 3:03
